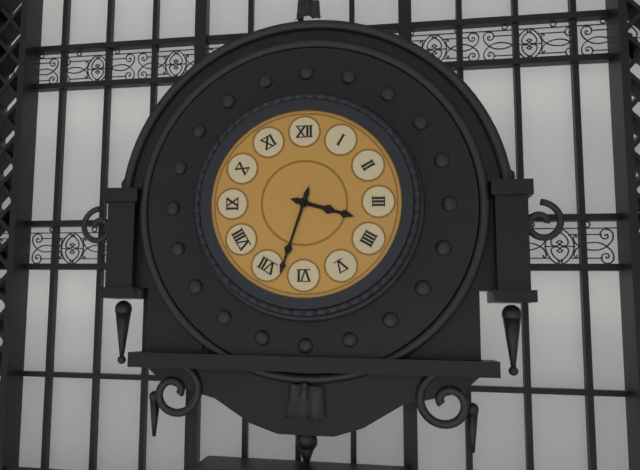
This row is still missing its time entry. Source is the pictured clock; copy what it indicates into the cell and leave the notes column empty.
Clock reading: 3:33
